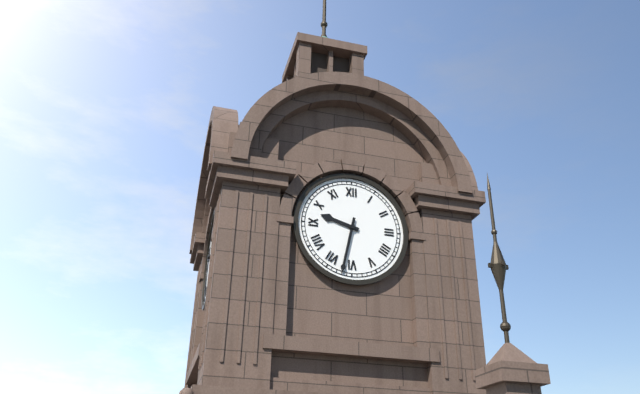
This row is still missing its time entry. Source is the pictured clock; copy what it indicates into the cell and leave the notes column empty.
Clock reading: 9:32
